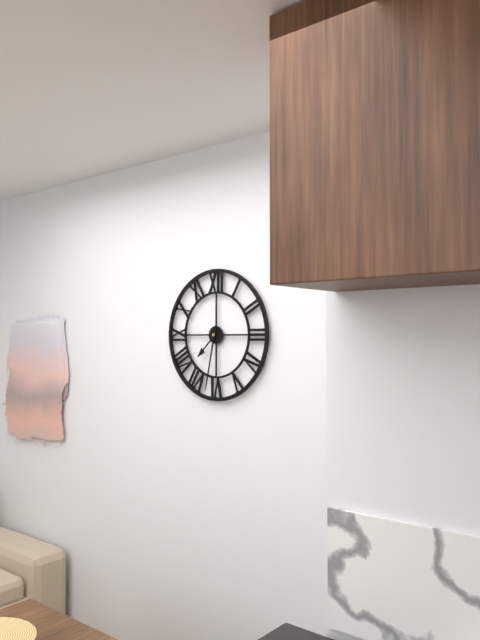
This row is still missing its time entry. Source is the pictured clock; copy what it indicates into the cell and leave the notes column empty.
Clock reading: 7:32
